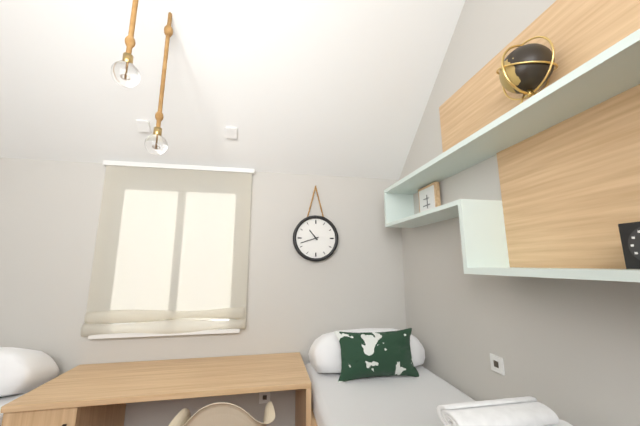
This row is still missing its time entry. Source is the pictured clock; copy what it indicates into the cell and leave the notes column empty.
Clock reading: 10:42
